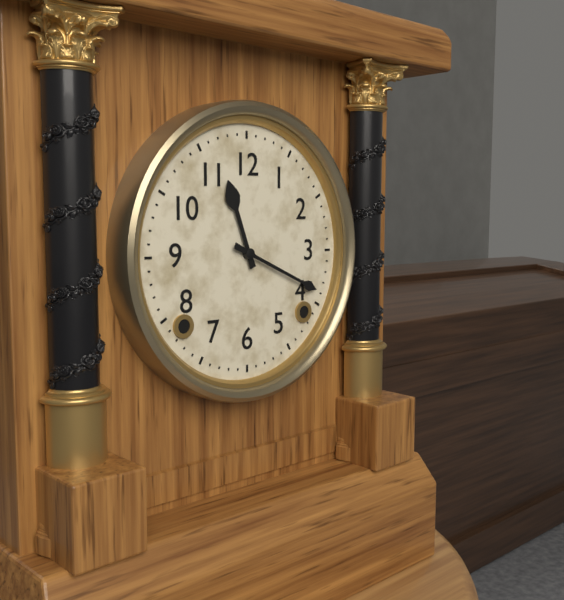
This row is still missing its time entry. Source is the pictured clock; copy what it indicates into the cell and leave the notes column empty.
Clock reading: 11:19
